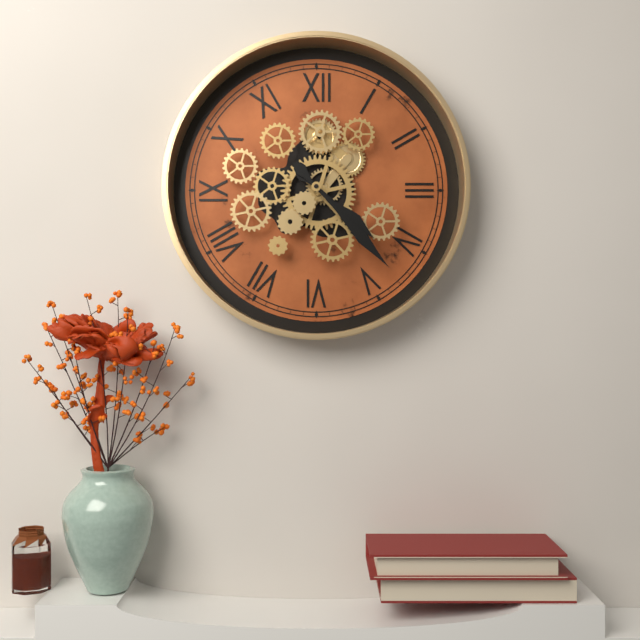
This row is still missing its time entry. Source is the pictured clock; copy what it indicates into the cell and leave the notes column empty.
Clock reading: 4:23
